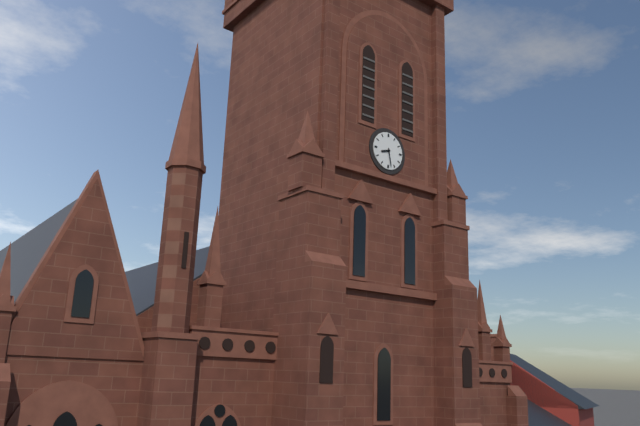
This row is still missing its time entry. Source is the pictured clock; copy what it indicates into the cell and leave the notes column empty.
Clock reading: 8:28
